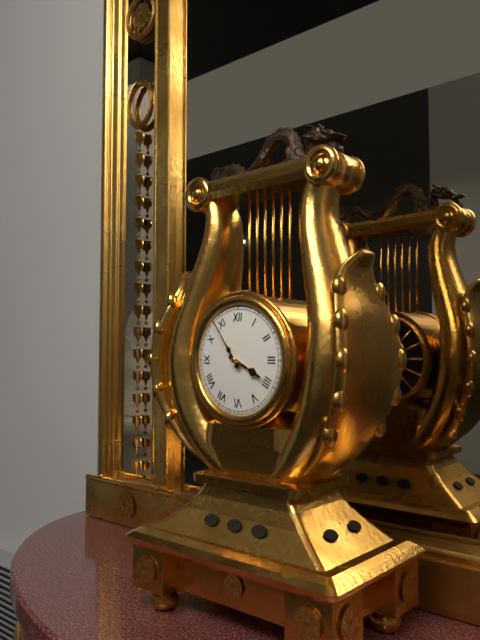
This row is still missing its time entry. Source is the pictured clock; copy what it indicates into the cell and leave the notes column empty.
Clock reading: 3:54
